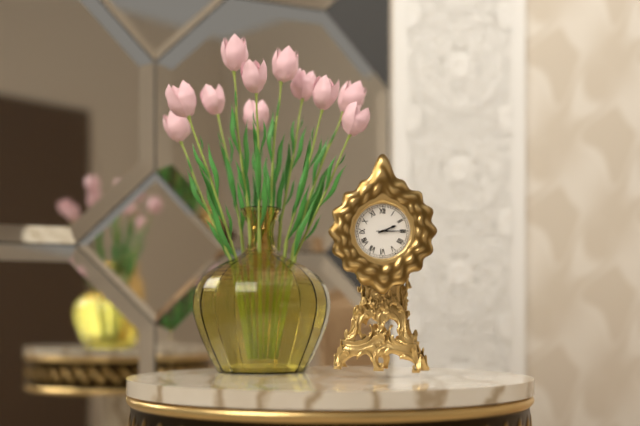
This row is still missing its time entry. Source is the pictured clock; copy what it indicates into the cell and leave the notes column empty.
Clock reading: 2:15
